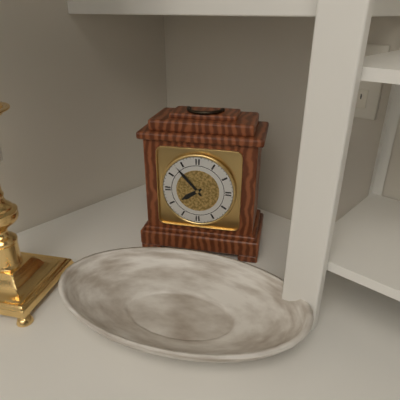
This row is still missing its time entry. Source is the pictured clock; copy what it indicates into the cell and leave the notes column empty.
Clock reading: 7:53
